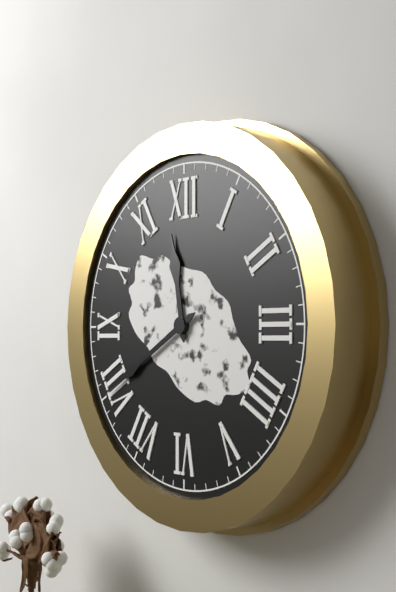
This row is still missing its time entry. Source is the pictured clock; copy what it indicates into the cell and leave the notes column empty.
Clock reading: 11:40
